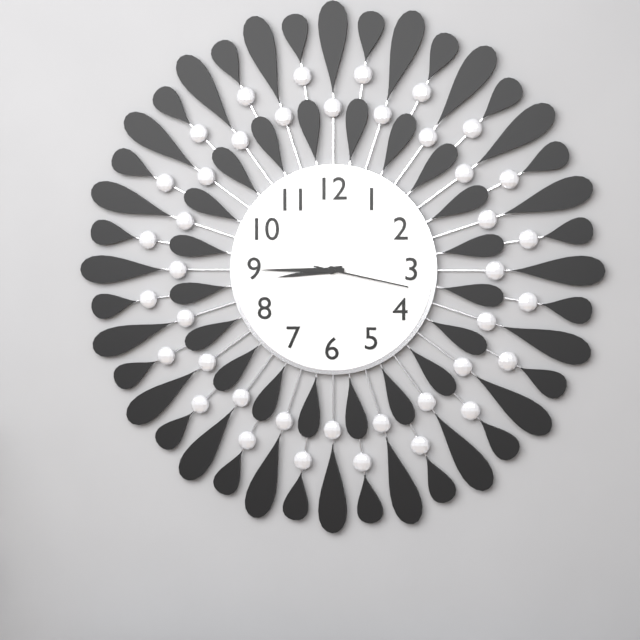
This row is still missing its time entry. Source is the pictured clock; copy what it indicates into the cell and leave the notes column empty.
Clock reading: 8:45:17
